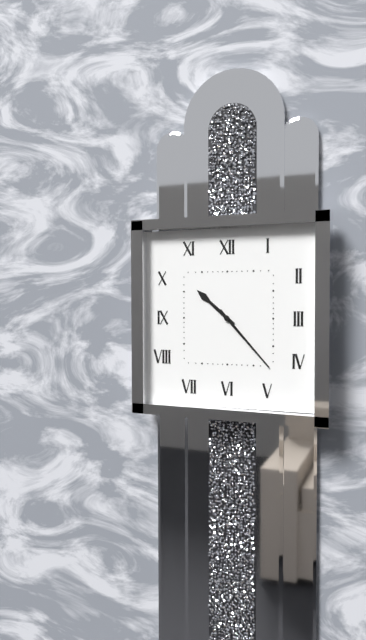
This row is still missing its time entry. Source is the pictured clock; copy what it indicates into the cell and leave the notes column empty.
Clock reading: 10:23
